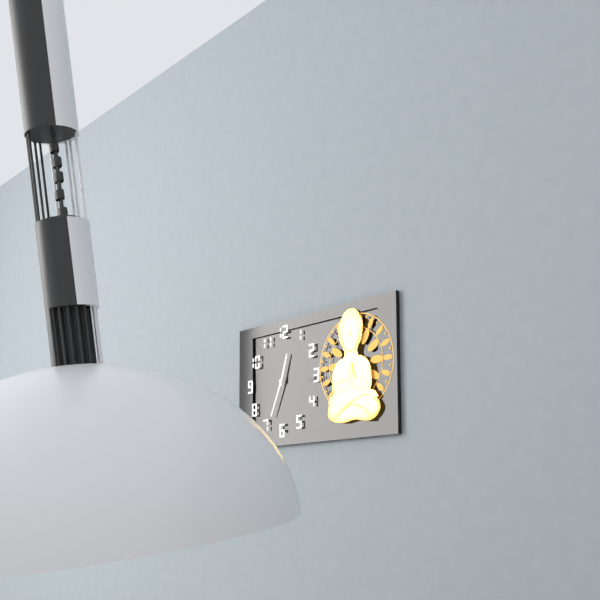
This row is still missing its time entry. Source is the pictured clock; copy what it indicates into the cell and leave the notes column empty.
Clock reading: 12:34
